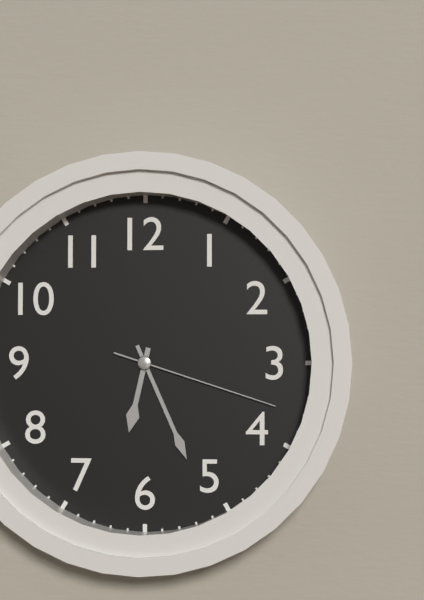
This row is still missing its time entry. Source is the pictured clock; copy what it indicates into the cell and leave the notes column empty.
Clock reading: 6:26:18
